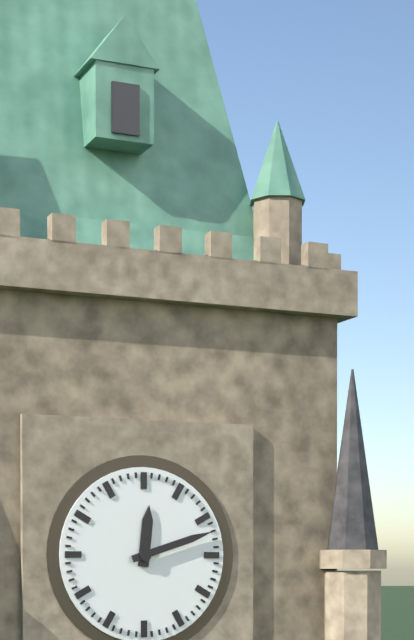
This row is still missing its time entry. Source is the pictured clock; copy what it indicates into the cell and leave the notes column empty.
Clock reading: 12:12
